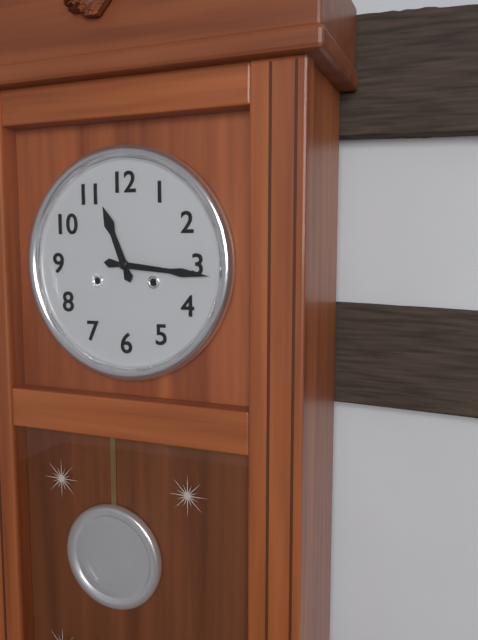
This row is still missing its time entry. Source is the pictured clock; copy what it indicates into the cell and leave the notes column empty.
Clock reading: 11:16
